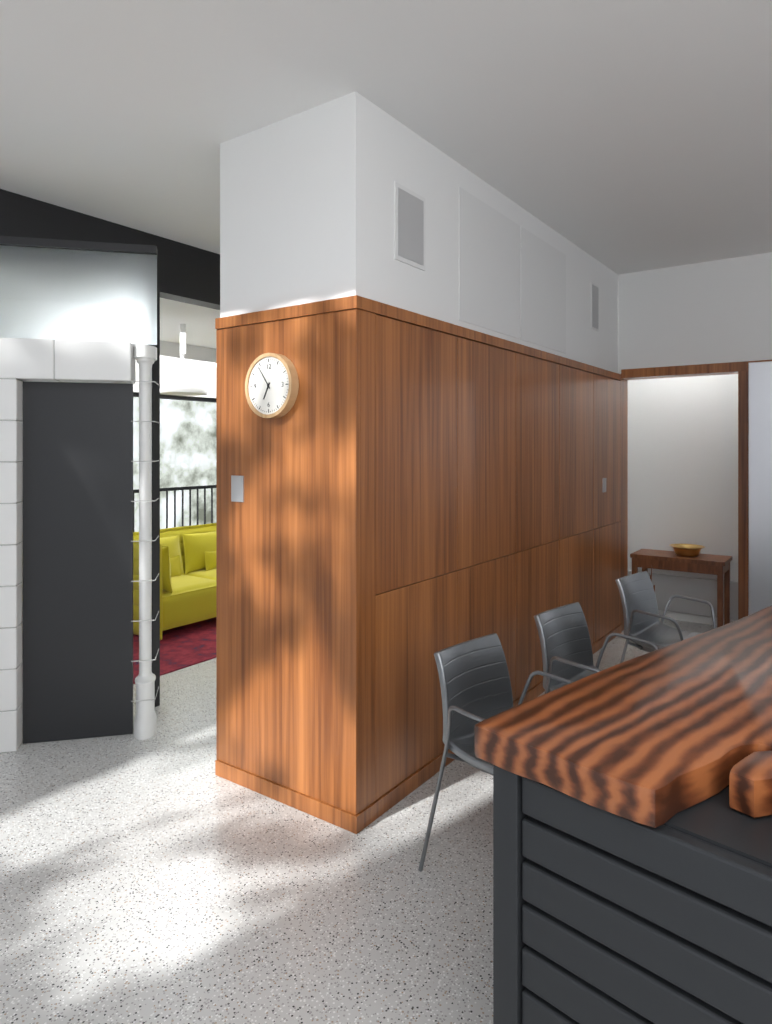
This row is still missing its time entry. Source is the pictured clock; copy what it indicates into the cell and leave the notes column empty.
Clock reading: 6:54
